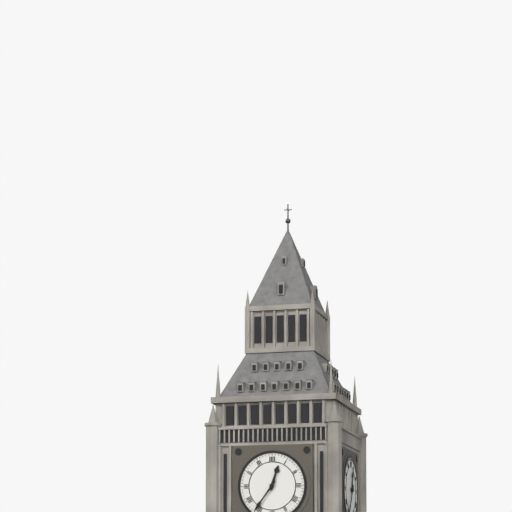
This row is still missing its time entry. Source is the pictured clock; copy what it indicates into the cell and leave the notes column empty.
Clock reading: 12:36
